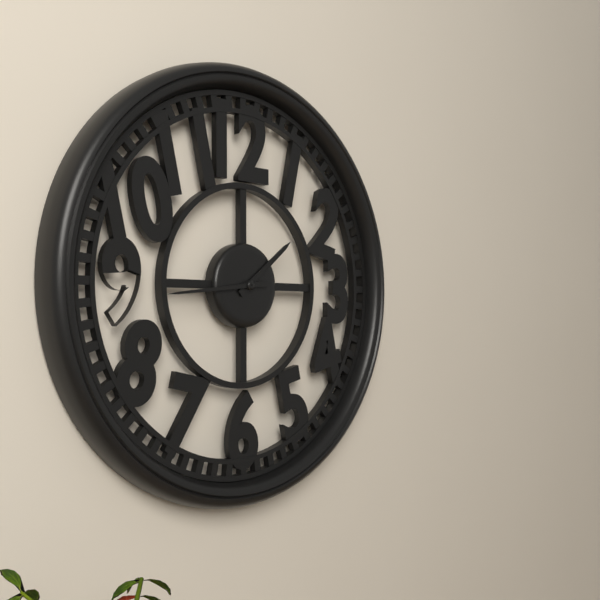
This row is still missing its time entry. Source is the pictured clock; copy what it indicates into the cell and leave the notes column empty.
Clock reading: 1:44
